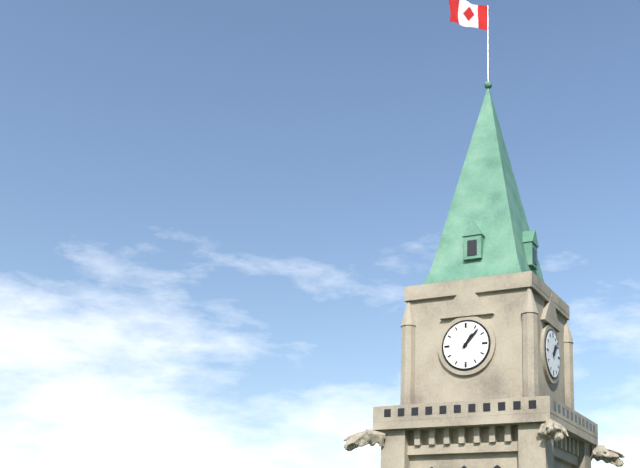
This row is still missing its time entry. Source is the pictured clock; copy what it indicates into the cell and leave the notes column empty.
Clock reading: 1:07
